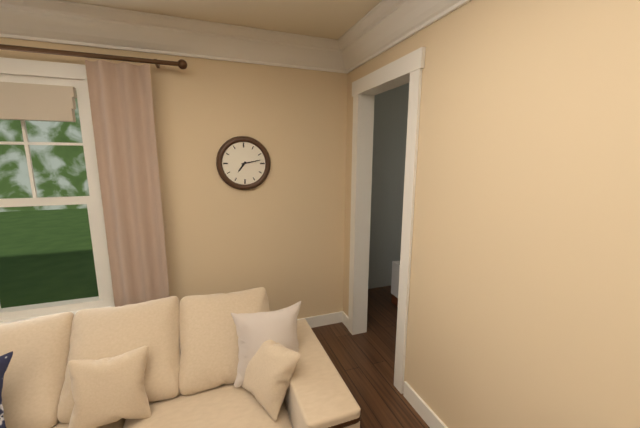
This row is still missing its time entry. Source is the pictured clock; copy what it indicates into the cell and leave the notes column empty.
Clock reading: 7:13
